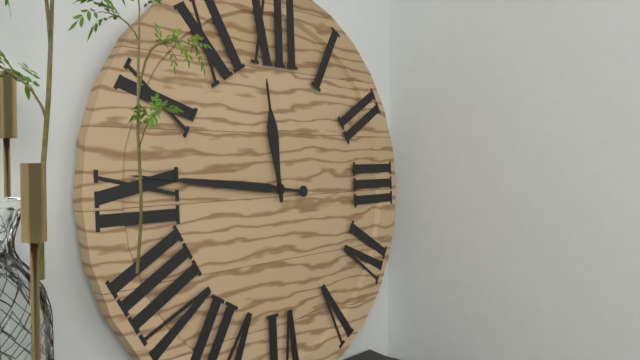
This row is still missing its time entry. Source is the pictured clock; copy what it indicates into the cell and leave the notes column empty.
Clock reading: 11:46
